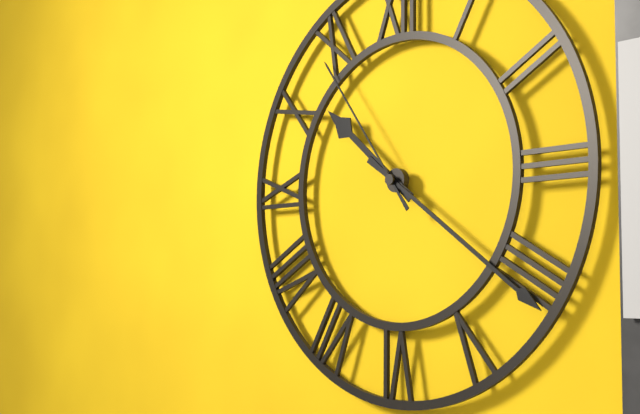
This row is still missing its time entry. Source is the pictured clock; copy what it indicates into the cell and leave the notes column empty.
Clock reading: 10:21:54
